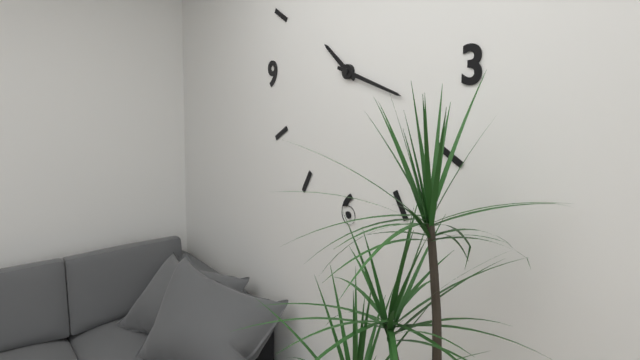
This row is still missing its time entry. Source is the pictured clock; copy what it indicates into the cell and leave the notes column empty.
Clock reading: 10:18
